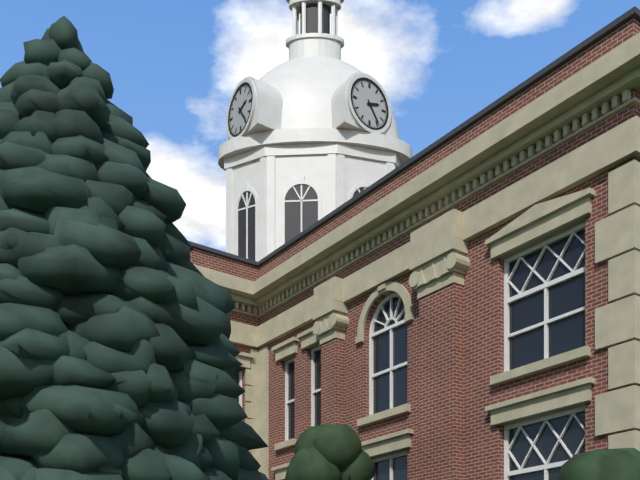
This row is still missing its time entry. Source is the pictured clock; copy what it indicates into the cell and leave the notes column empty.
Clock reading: 2:24
